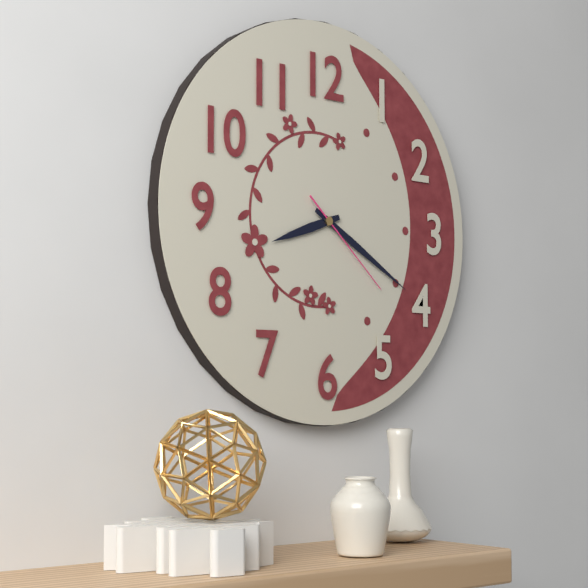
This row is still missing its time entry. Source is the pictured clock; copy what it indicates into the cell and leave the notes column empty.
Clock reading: 8:20:22
